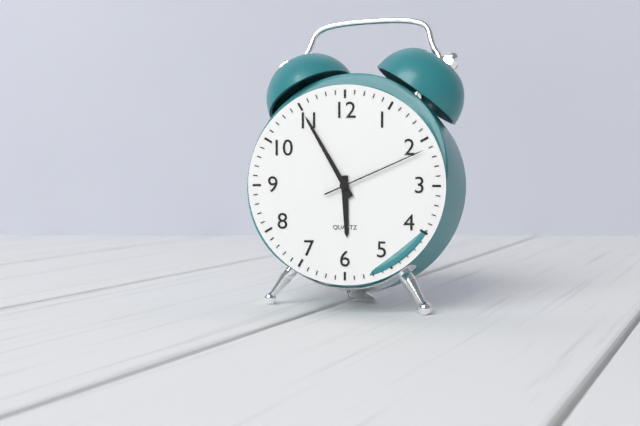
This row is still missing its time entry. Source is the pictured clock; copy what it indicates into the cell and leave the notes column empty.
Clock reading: 5:55:11
